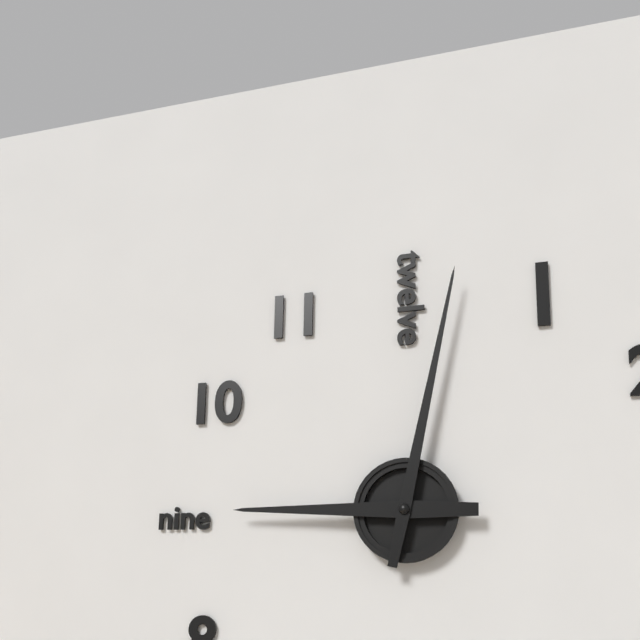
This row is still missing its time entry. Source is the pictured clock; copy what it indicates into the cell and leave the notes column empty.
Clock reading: 9:02
